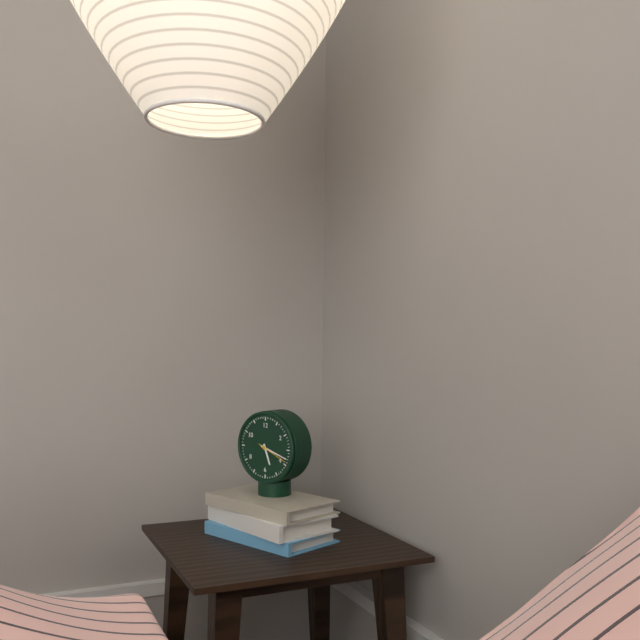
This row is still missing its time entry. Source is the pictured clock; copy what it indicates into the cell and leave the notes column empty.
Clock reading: 5:18
